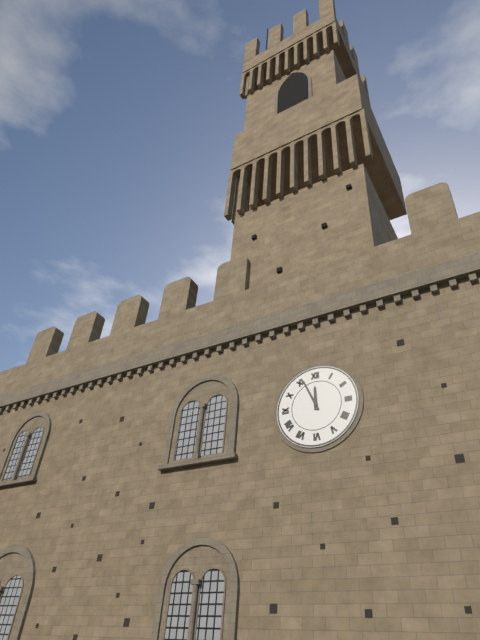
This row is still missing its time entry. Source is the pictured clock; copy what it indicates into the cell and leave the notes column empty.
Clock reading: 11:56
